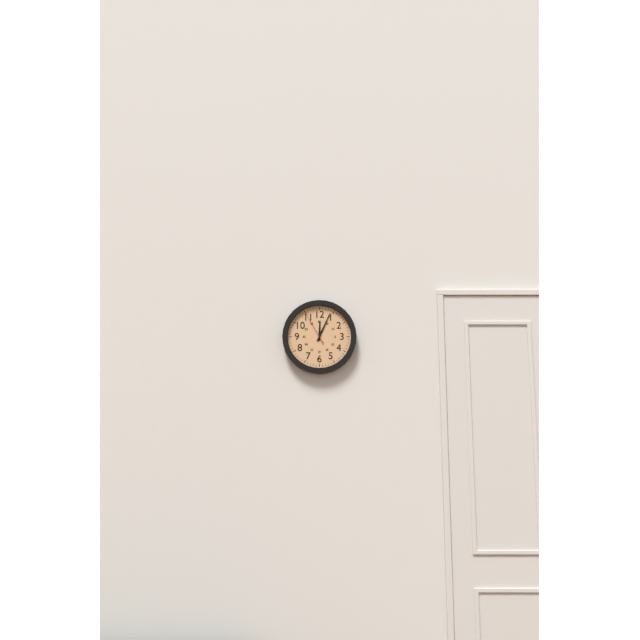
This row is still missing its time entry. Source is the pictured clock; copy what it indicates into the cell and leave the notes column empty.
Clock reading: 12:04
